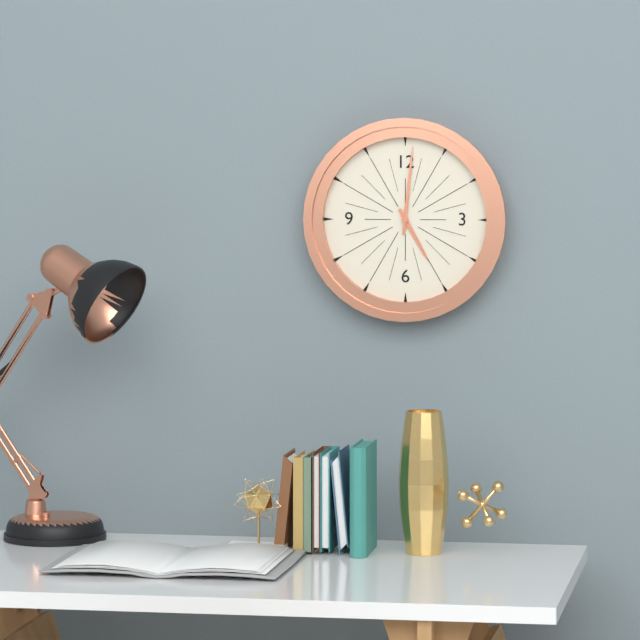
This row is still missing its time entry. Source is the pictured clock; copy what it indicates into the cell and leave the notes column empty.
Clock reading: 5:01
